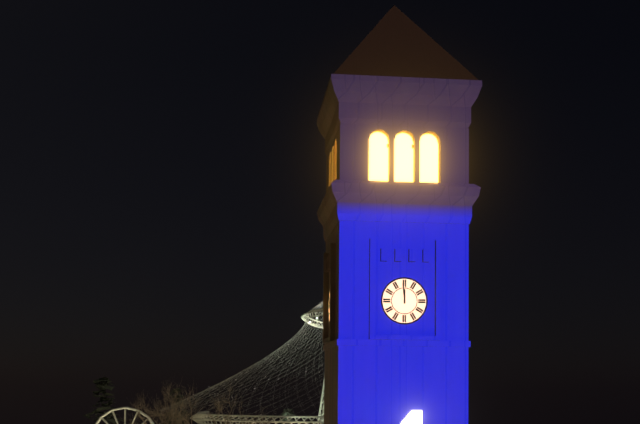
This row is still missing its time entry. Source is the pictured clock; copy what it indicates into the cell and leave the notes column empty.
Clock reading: 11:59
